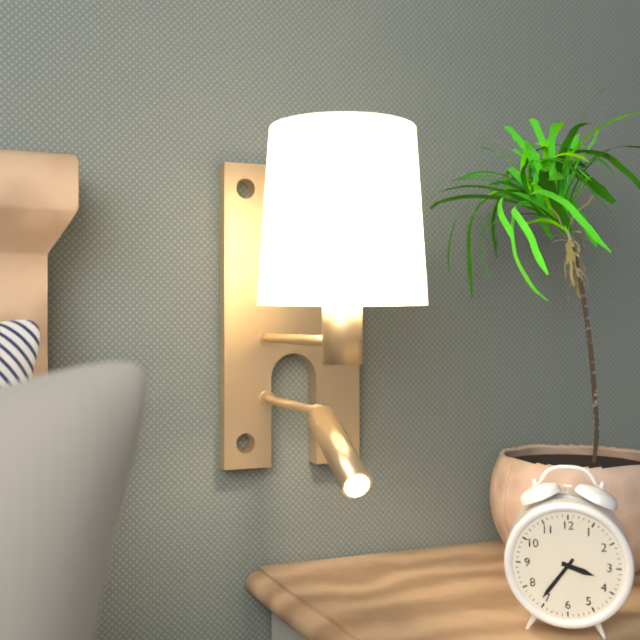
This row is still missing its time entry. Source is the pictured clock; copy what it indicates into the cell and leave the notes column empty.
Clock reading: 3:36
